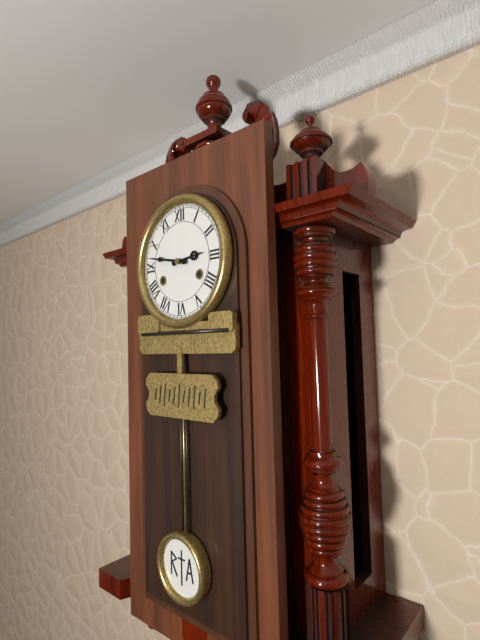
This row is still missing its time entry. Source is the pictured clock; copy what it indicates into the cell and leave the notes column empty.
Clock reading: 2:47
